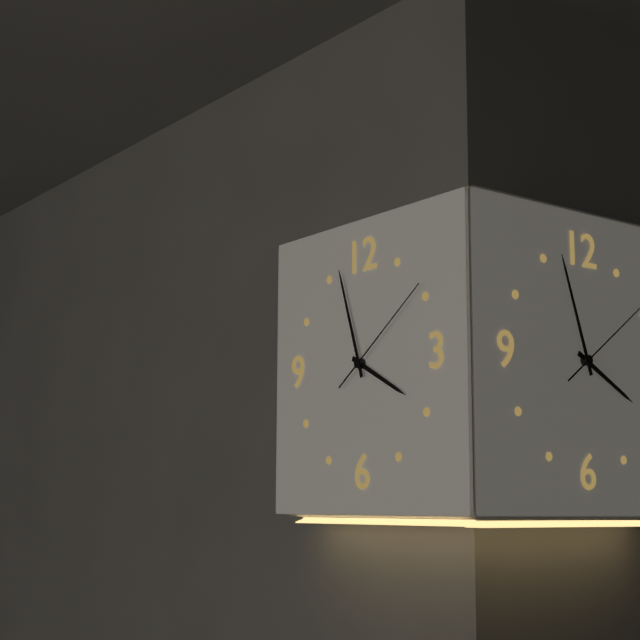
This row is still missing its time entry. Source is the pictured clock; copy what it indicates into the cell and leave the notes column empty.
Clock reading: 3:57:09
